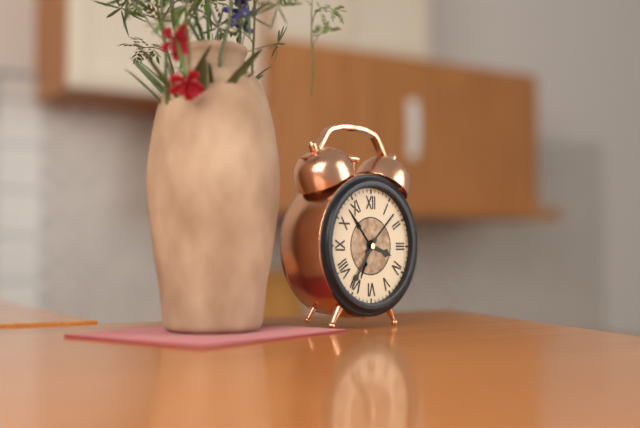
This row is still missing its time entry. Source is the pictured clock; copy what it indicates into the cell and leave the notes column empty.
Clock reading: 3:36
